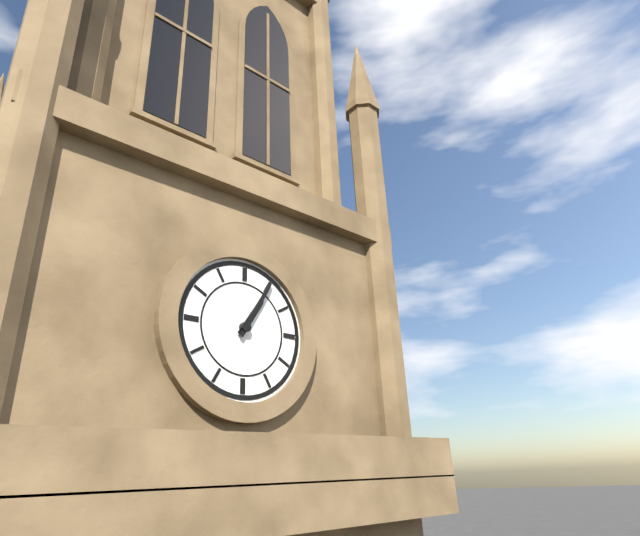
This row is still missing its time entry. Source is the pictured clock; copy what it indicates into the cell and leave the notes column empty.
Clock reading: 1:05
